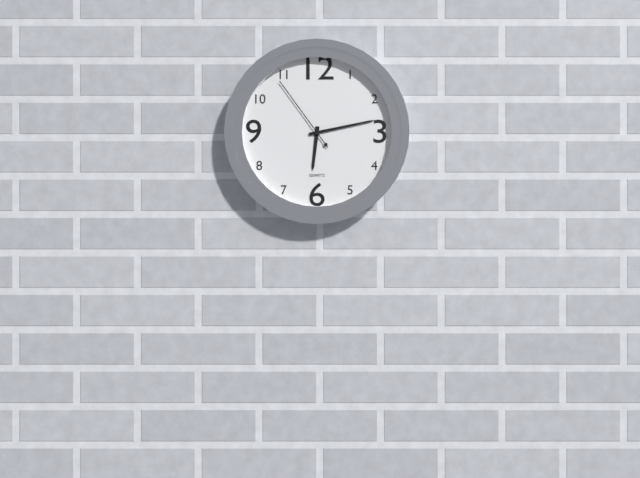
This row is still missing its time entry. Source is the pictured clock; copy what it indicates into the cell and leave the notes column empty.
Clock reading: 6:13:54
